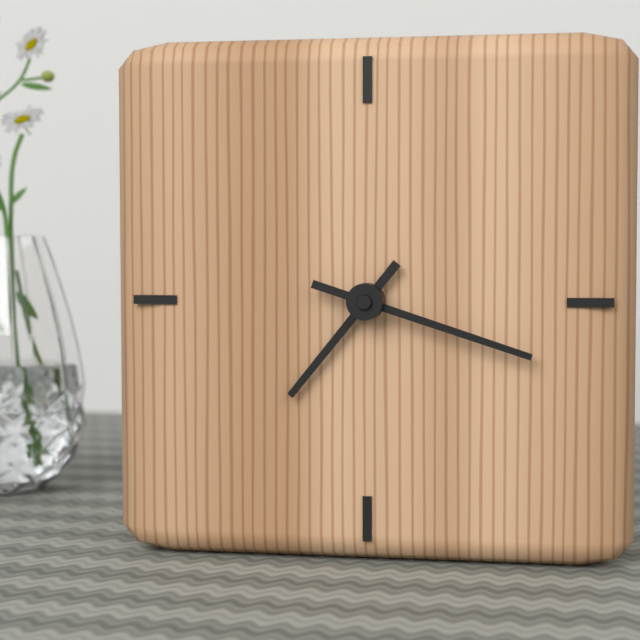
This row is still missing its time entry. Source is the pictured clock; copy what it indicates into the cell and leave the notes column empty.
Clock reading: 7:18
